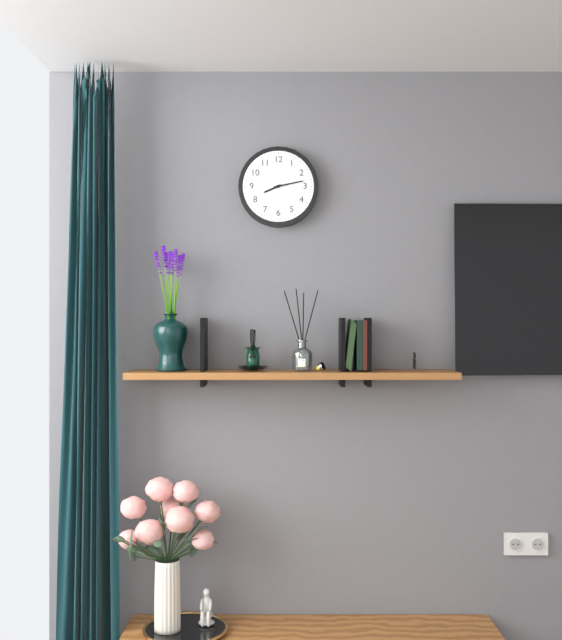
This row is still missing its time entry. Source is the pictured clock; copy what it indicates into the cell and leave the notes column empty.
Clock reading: 8:13
